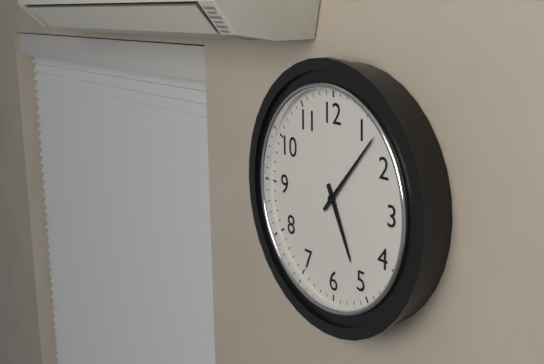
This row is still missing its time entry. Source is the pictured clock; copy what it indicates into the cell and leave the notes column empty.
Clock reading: 5:07
